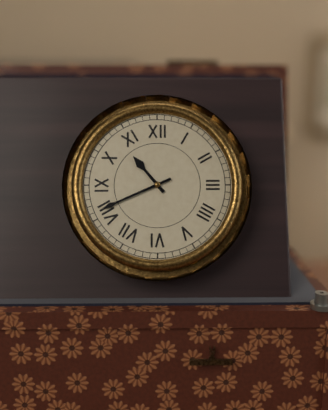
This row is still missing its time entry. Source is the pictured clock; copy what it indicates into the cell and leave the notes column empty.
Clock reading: 10:41
